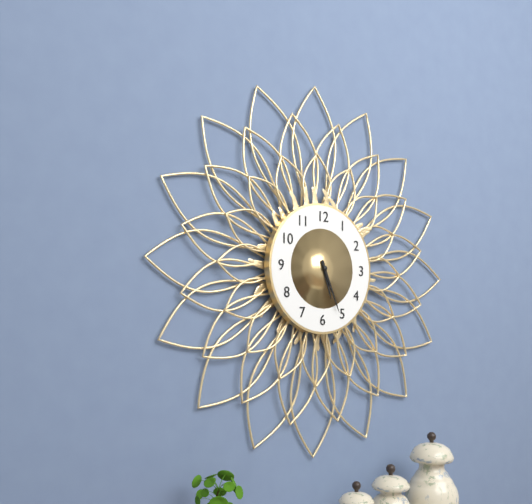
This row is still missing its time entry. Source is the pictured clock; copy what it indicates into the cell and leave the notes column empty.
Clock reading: 5:26
